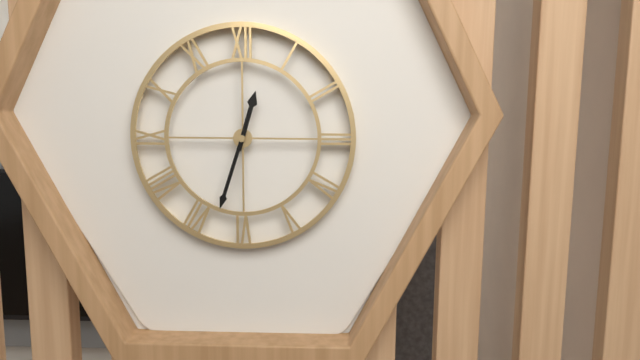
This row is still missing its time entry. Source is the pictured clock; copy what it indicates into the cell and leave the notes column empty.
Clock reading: 12:33
